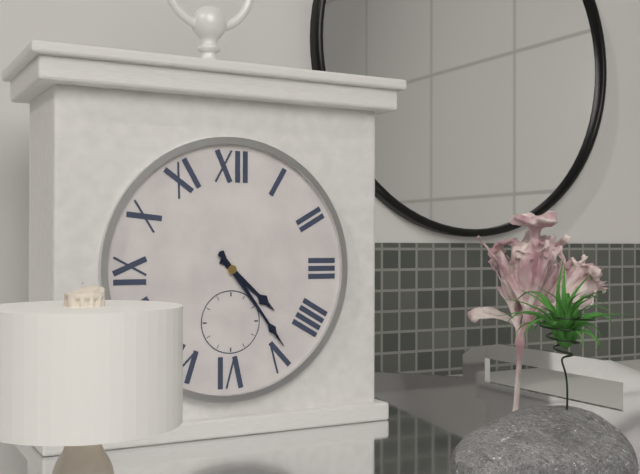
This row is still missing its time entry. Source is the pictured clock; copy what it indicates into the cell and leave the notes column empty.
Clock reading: 4:24
